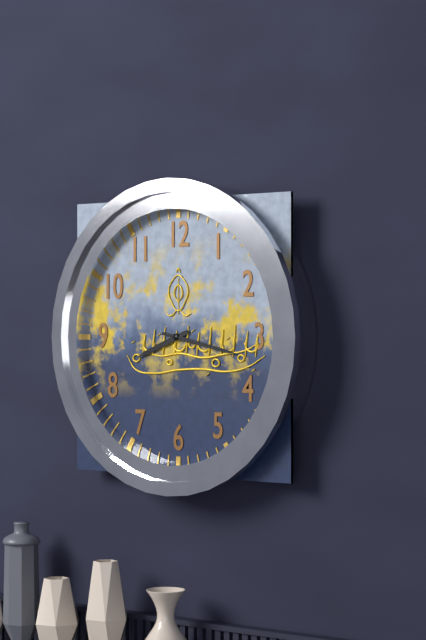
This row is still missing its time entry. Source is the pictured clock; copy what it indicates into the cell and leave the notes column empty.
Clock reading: 8:17
